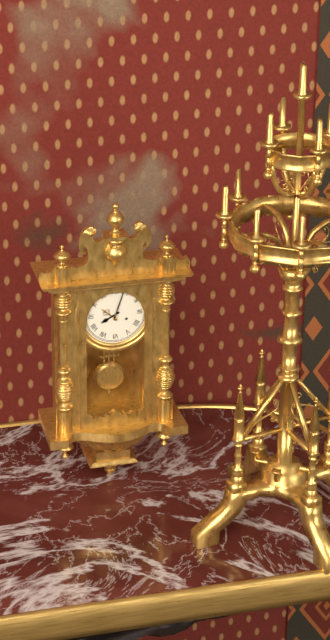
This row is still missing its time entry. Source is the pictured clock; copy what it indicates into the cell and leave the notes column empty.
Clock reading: 8:03
